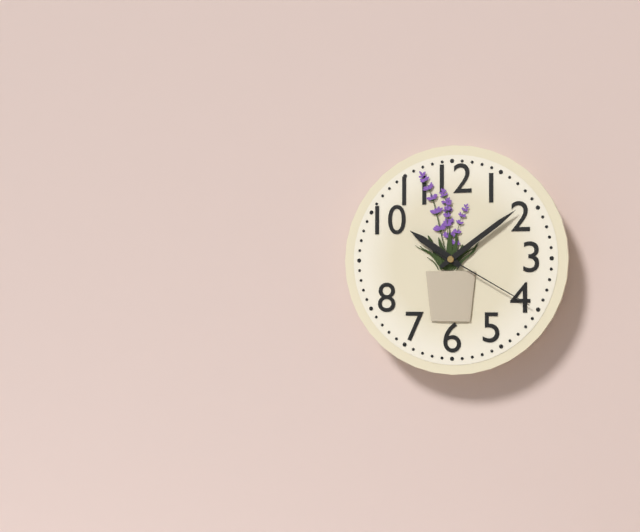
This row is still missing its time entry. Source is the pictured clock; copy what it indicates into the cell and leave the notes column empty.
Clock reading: 10:09:20
